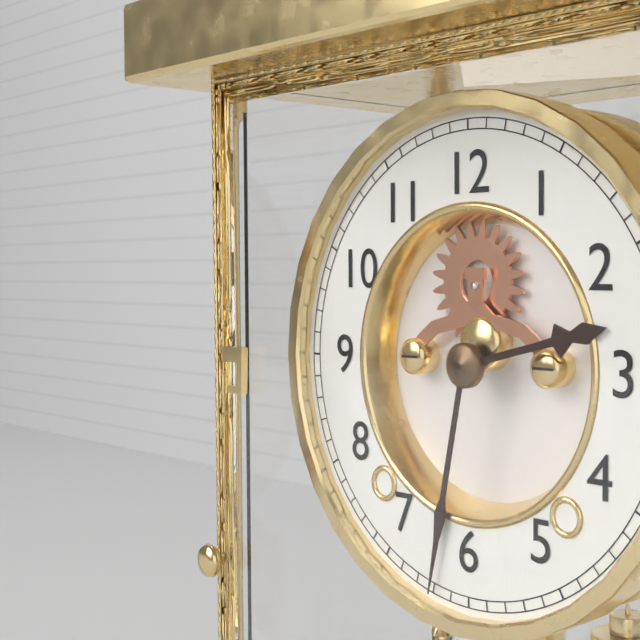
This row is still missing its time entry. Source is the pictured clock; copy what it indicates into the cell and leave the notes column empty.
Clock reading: 2:32
